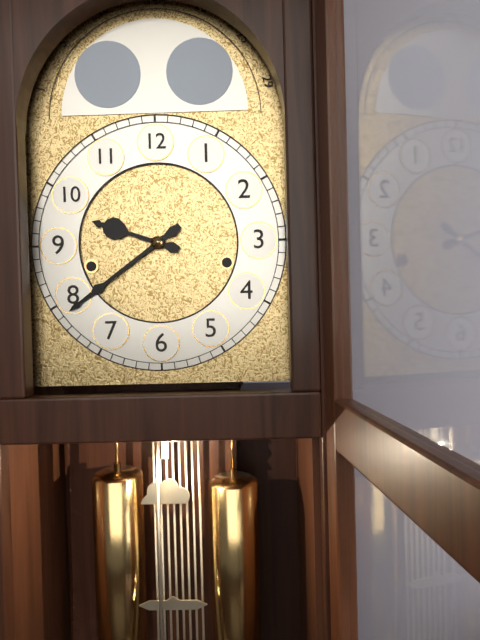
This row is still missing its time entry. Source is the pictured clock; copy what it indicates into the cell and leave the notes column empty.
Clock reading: 9:39
